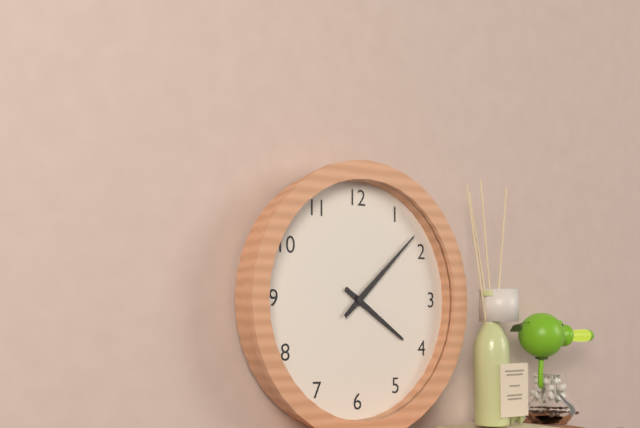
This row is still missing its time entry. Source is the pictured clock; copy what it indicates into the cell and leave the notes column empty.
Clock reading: 4:08
